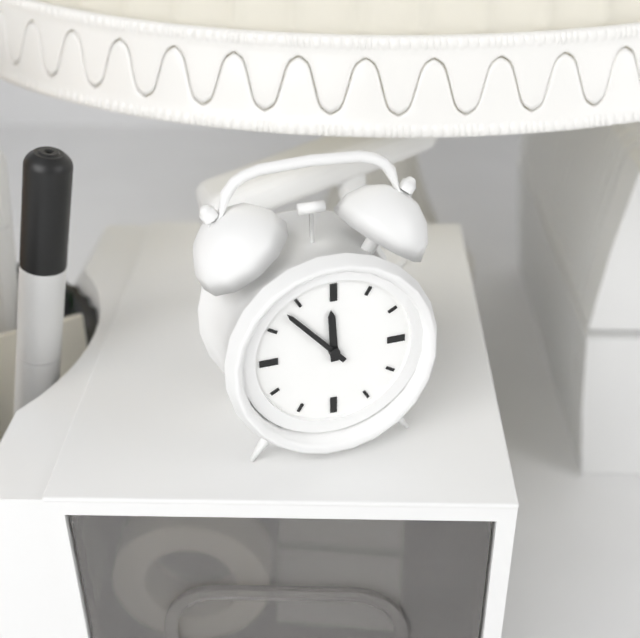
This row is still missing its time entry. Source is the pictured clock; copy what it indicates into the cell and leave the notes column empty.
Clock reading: 11:53
